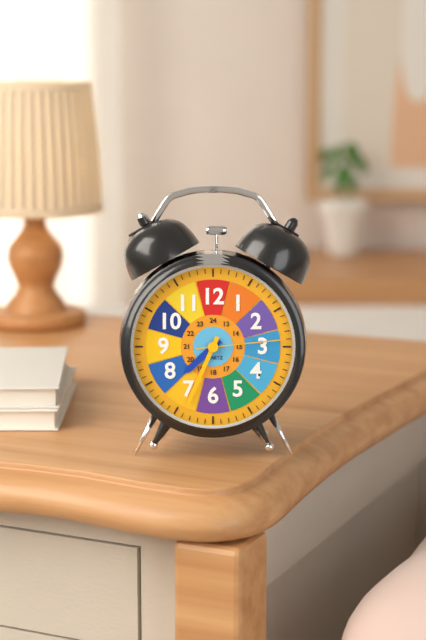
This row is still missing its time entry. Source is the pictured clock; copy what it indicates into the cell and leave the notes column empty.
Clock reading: 7:34:14
